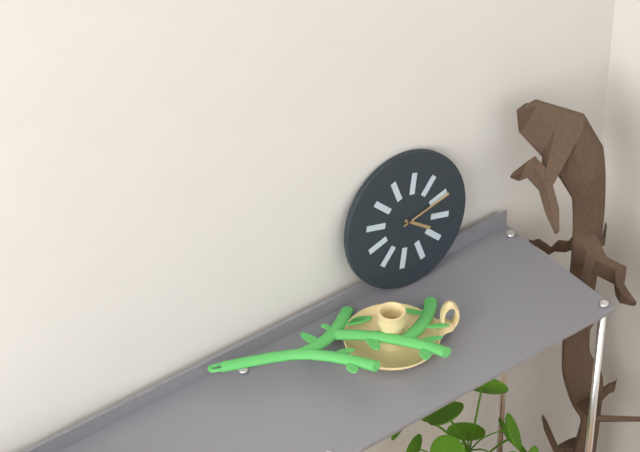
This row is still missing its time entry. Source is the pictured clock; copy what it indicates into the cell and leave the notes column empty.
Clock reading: 4:13
